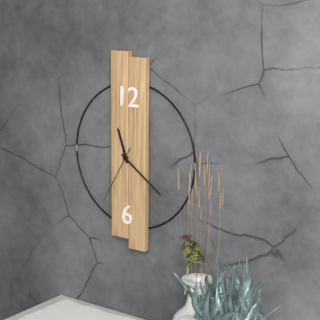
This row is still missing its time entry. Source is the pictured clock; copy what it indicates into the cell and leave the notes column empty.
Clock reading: 11:21:35
